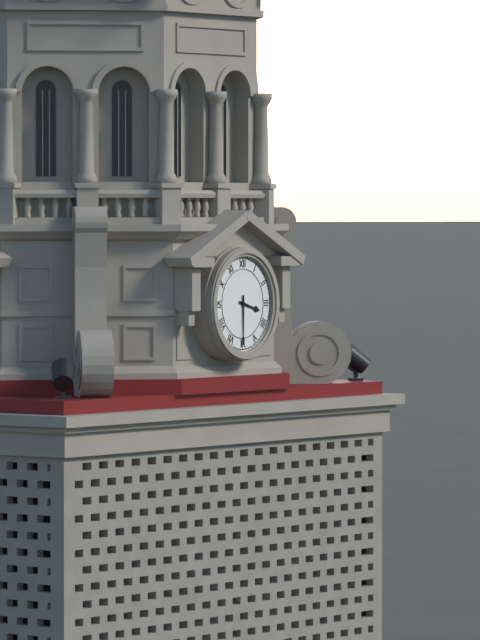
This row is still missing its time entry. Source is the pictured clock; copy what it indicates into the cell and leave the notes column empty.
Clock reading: 3:30
